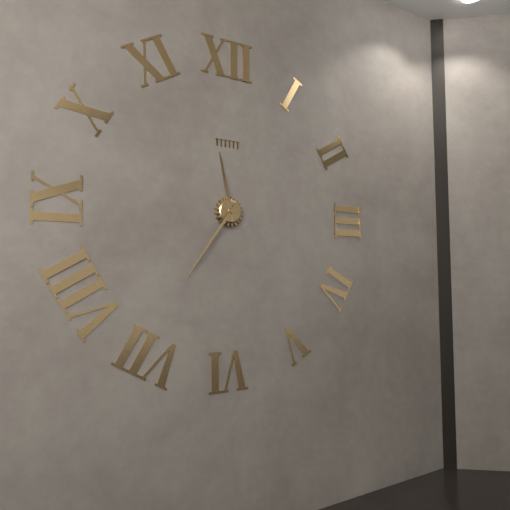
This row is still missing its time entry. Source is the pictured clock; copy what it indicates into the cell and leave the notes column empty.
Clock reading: 11:36
